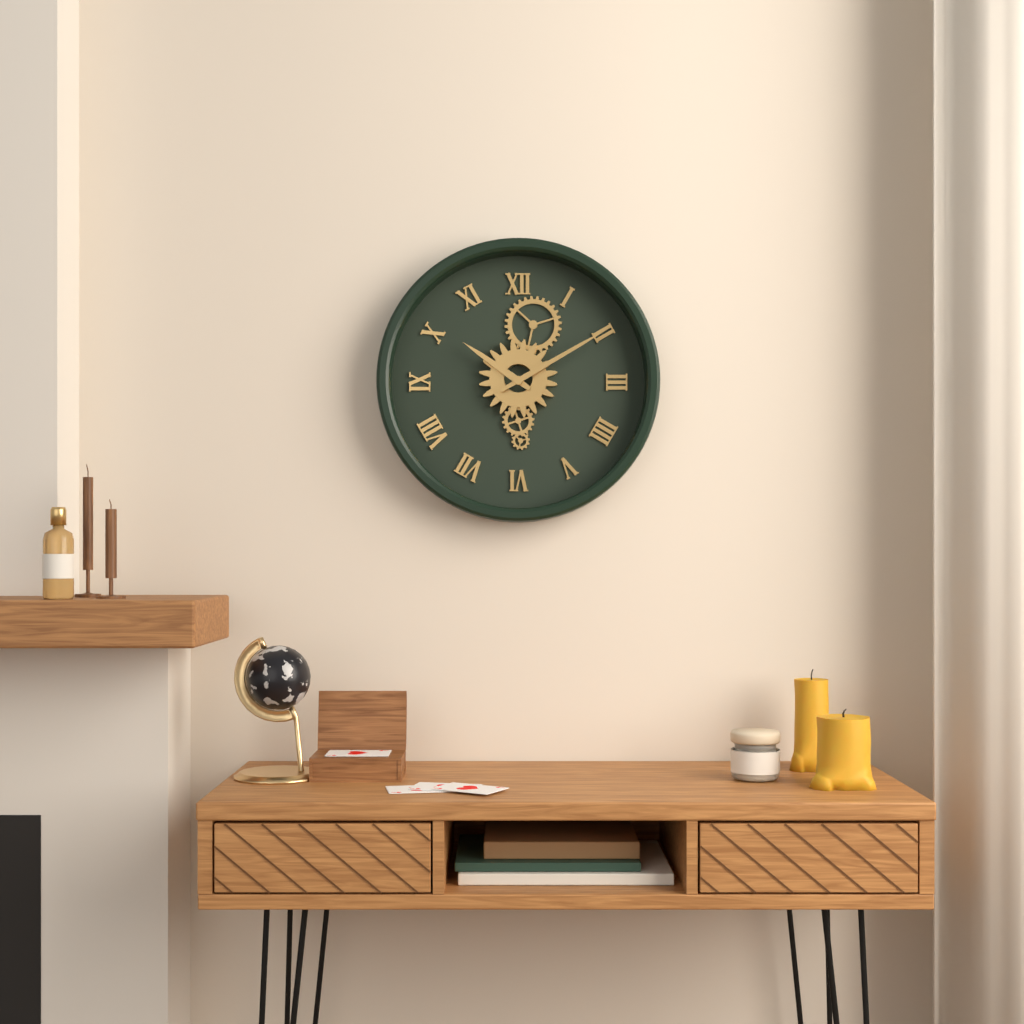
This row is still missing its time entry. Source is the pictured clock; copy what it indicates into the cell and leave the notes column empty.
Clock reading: 10:10
